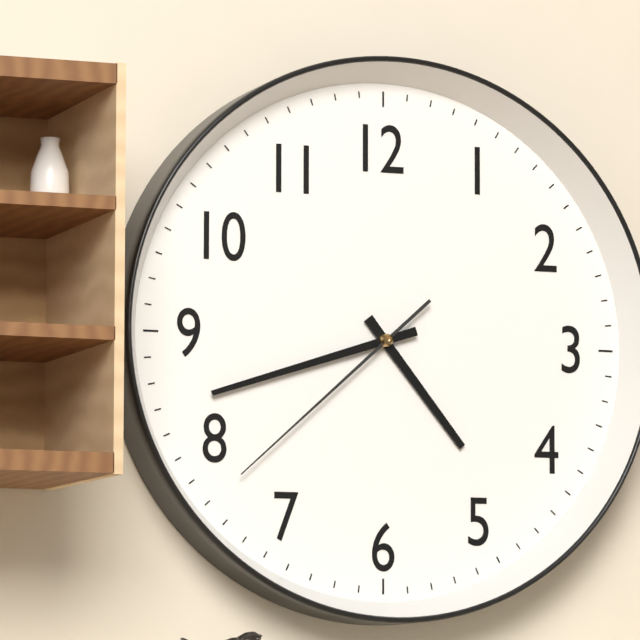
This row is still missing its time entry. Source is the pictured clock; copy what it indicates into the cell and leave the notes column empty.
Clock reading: 4:42:38
